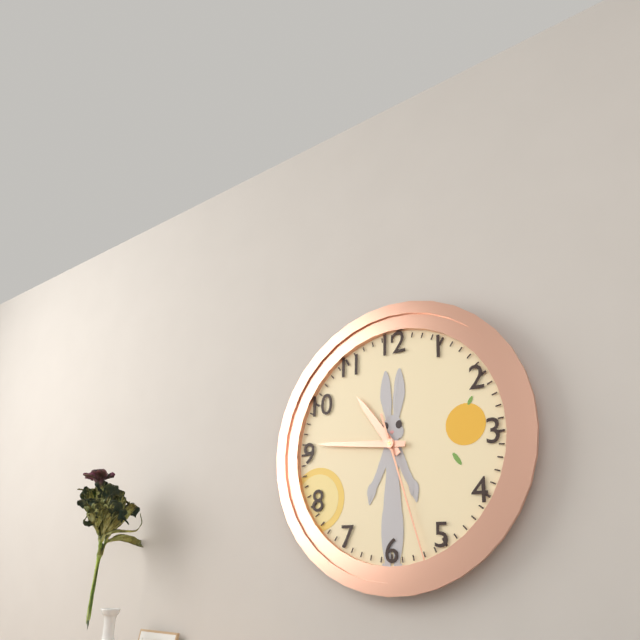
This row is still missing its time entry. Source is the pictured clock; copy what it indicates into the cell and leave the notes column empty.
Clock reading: 10:46:27
